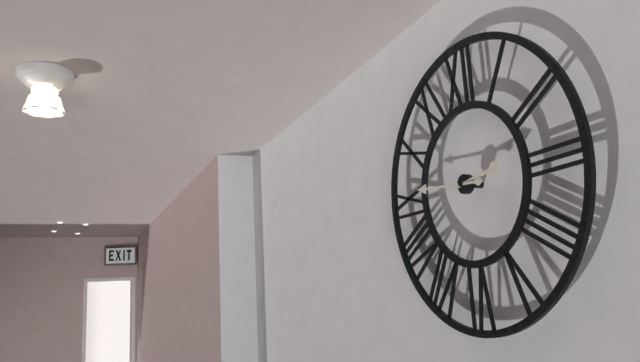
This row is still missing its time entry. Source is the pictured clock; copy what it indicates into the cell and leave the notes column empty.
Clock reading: 2:46
